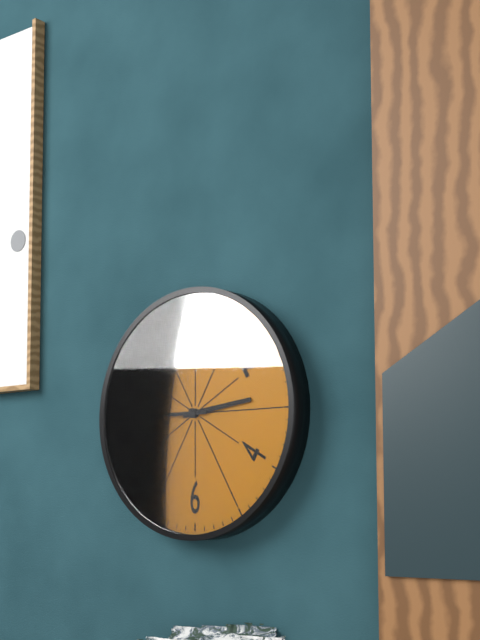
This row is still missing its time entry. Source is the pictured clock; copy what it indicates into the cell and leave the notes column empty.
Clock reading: 2:45
